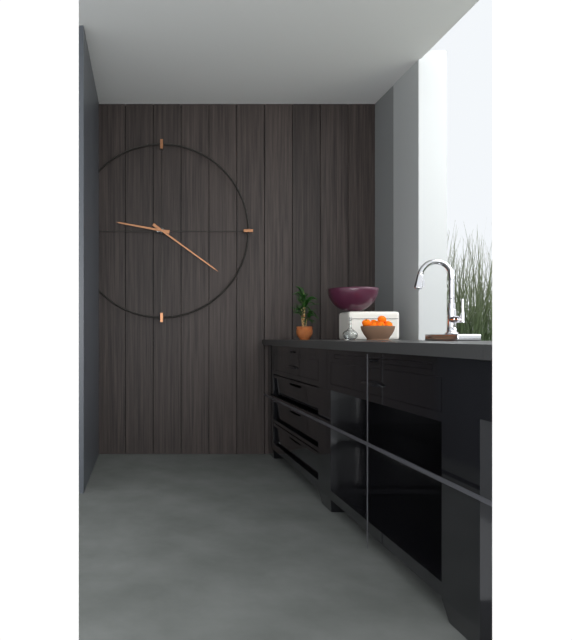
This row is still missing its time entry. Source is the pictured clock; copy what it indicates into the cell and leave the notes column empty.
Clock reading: 9:21
